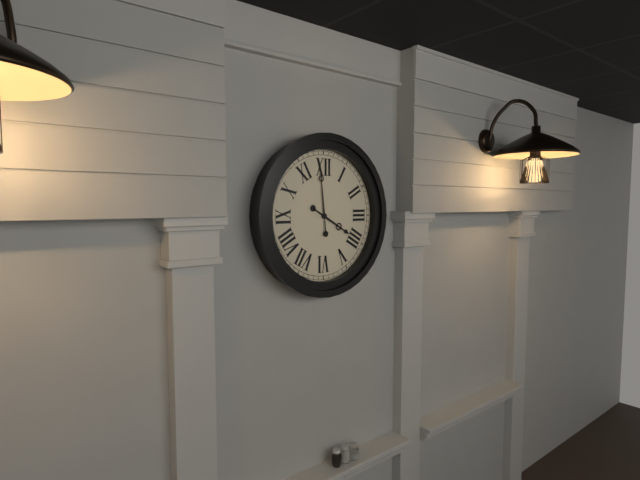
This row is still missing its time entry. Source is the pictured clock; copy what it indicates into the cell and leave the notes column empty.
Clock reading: 3:59
